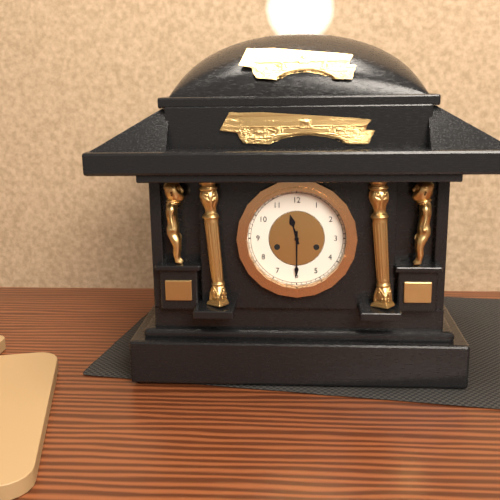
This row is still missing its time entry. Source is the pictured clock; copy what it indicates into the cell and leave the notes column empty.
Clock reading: 11:30
